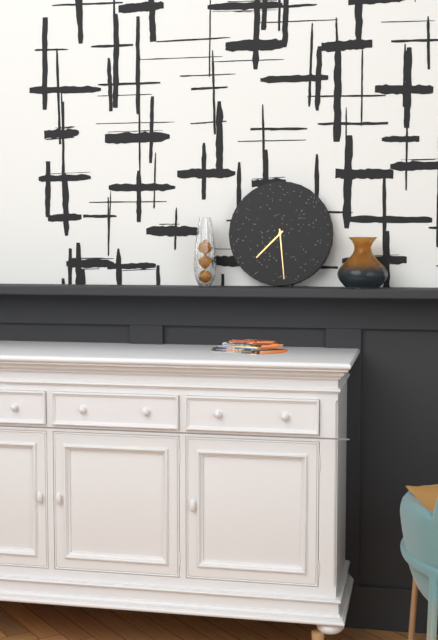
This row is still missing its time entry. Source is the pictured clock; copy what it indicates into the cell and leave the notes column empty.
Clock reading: 7:29
